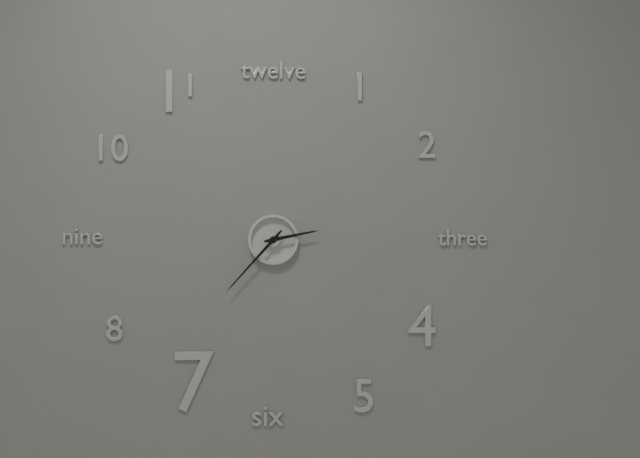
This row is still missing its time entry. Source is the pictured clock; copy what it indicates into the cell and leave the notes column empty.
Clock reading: 2:37
